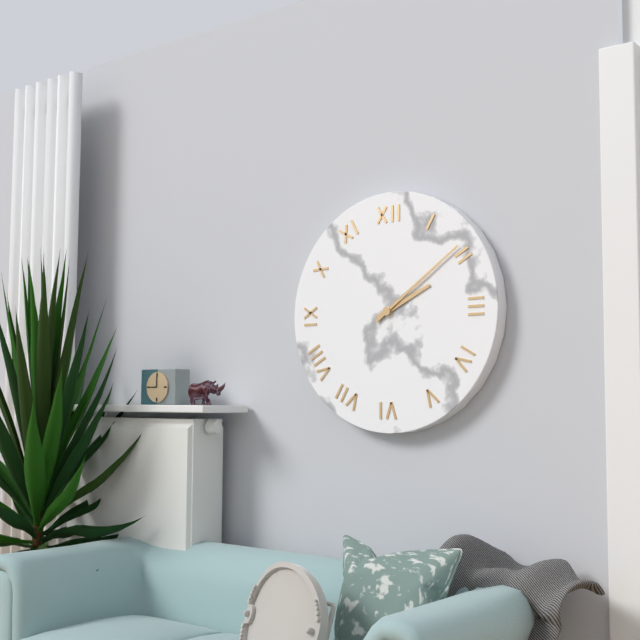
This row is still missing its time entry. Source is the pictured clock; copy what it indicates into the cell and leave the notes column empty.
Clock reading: 2:09
